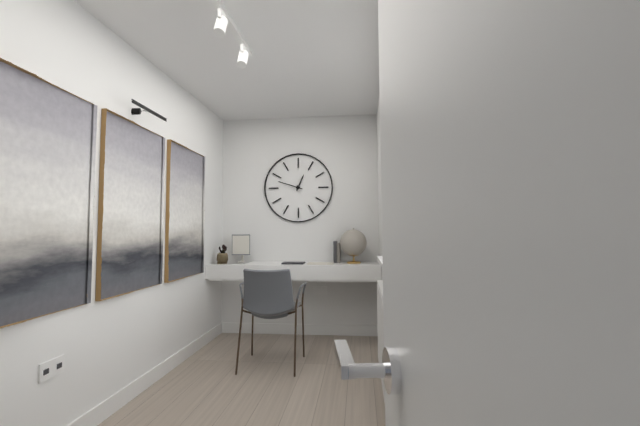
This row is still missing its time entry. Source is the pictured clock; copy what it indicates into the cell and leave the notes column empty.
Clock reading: 12:48
